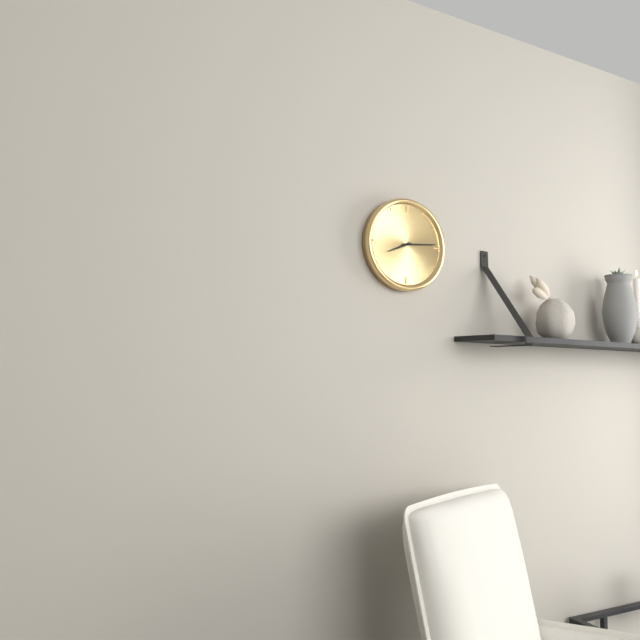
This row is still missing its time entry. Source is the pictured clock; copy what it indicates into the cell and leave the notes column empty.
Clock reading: 8:14
